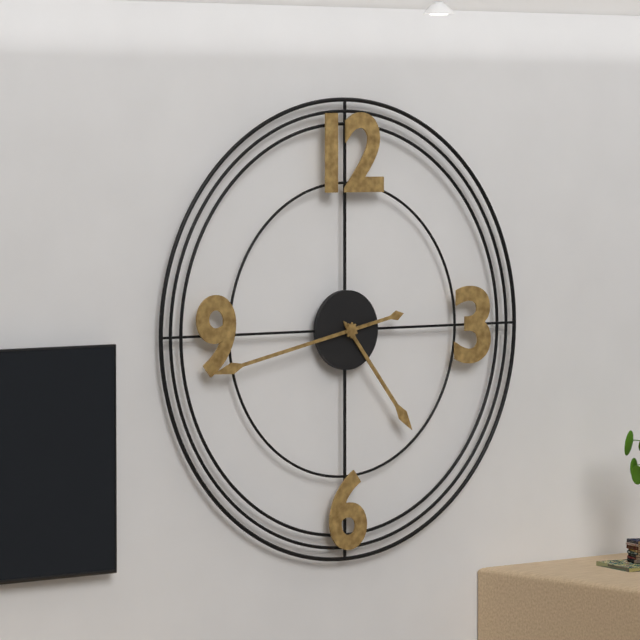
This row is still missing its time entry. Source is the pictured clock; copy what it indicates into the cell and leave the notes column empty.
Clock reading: 4:43
